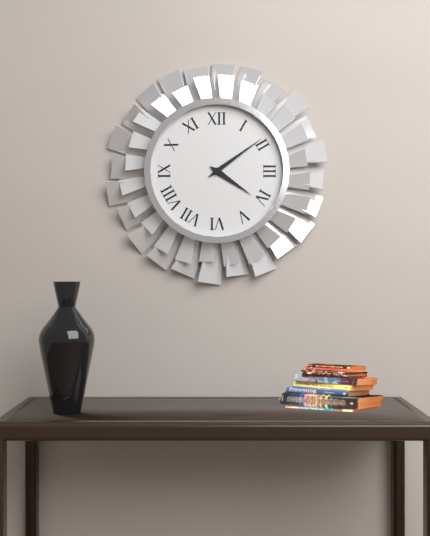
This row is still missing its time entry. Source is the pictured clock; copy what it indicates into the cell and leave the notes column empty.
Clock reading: 4:09
